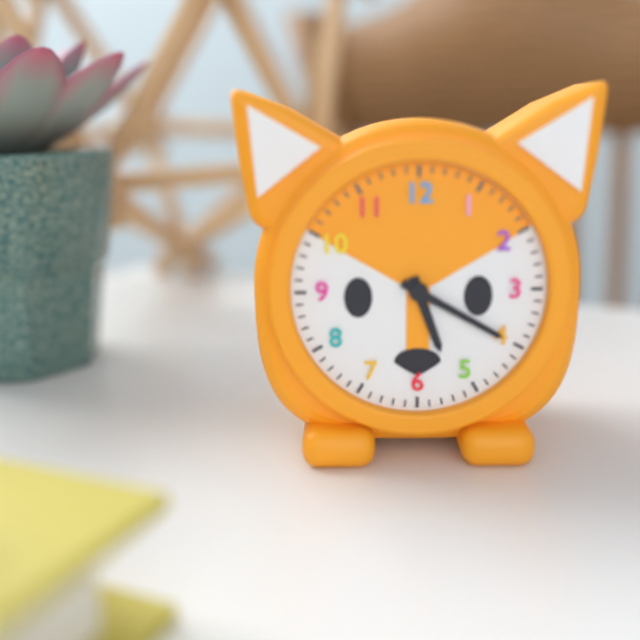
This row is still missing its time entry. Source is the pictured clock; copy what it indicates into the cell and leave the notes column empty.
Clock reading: 5:20
